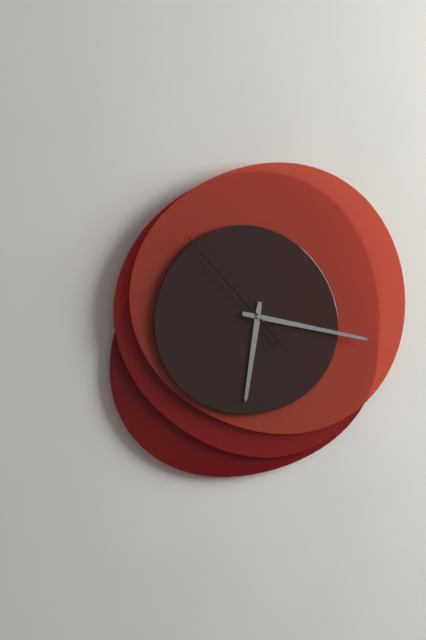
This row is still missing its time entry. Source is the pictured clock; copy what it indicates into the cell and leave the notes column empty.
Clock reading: 6:17:53
